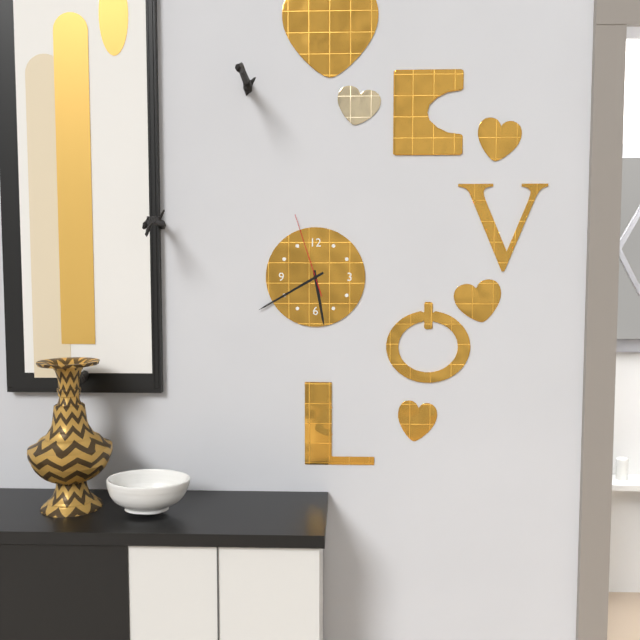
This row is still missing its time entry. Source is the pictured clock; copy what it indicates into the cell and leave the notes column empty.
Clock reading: 5:40:57
